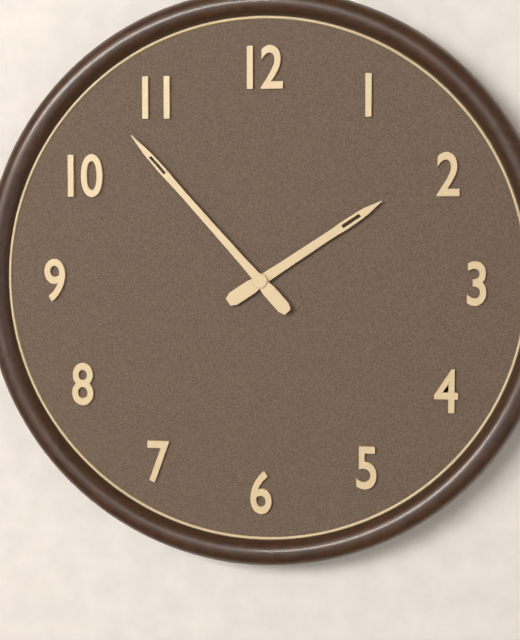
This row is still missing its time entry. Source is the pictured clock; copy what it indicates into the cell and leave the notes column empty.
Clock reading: 1:53
